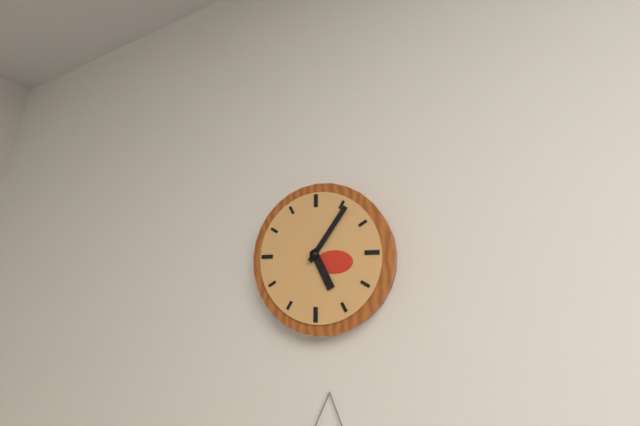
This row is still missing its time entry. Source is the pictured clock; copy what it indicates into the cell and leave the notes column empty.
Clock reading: 5:06
